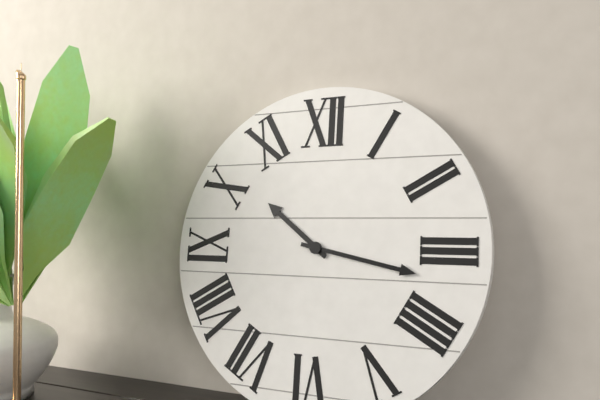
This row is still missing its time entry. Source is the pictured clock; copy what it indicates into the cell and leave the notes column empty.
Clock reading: 10:17
